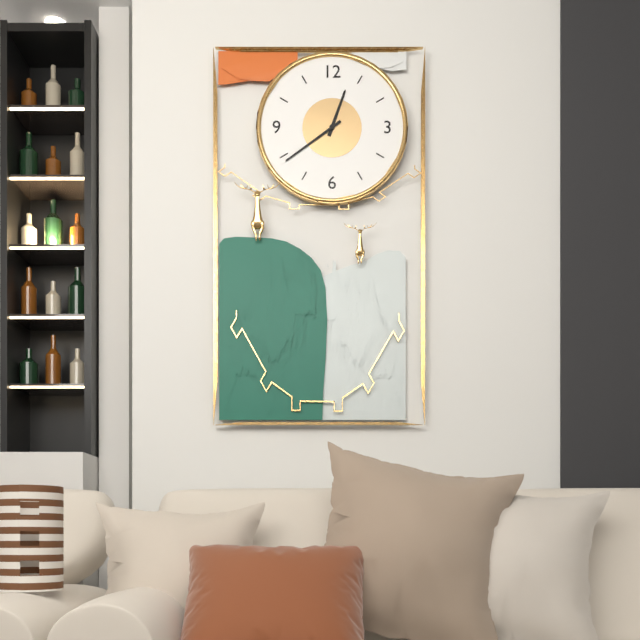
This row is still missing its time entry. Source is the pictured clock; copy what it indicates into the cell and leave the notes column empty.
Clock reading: 12:39
